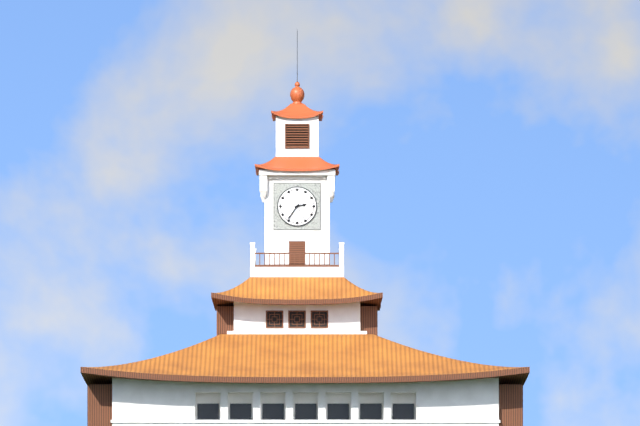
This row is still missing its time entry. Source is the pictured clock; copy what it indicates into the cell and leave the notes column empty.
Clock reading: 2:36
